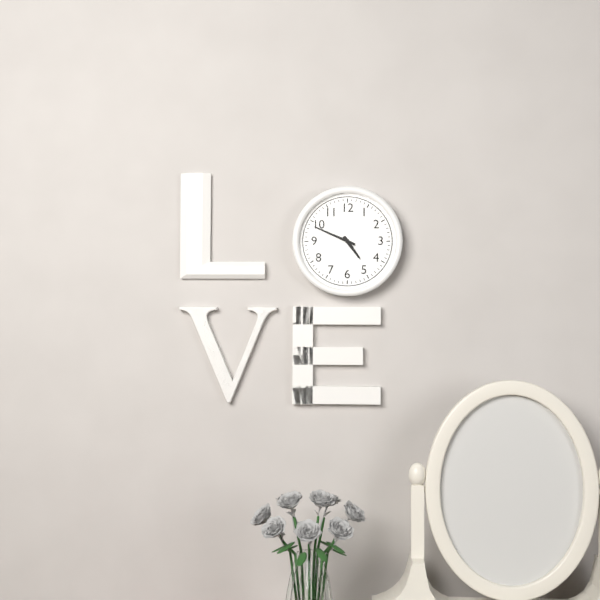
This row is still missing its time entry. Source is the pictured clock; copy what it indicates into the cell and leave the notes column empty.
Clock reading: 4:49
